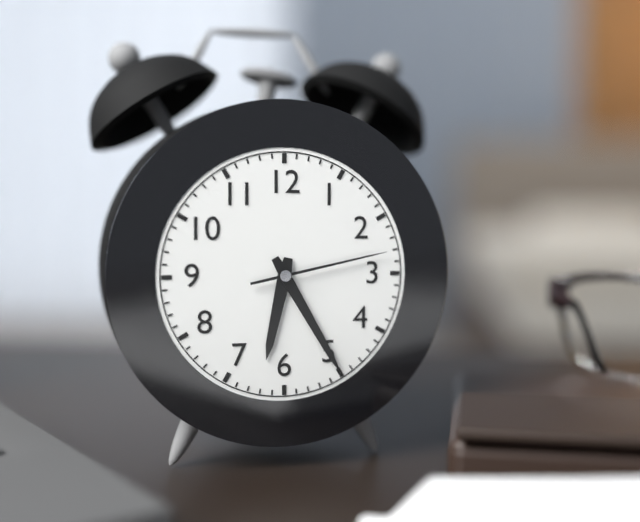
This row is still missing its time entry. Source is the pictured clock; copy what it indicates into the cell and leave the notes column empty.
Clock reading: 6:25:13
